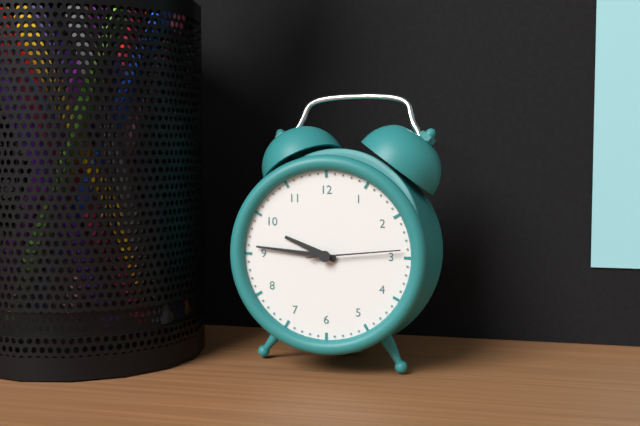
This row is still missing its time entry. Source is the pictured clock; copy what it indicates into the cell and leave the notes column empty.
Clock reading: 9:46:14
